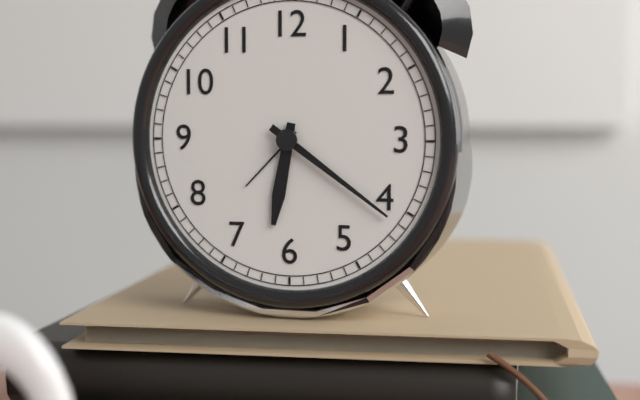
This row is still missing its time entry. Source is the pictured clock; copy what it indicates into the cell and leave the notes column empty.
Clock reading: 6:21
